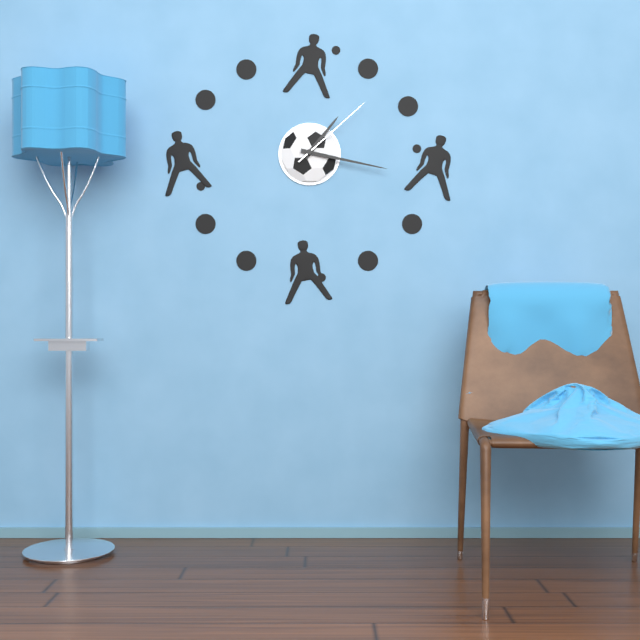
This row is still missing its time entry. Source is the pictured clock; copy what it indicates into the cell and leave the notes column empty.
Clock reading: 1:17:08
